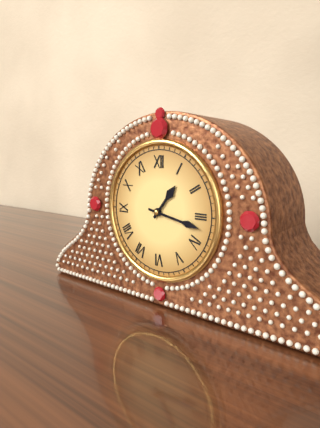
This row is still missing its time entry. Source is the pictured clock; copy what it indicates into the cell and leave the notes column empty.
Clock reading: 1:17
